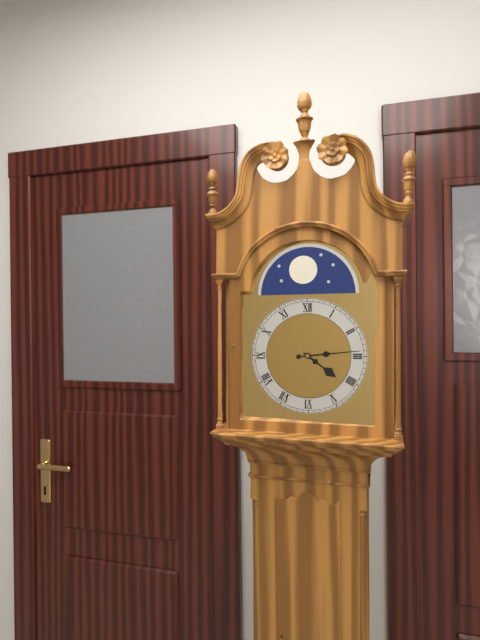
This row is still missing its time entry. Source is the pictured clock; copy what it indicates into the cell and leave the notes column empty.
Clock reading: 4:14
